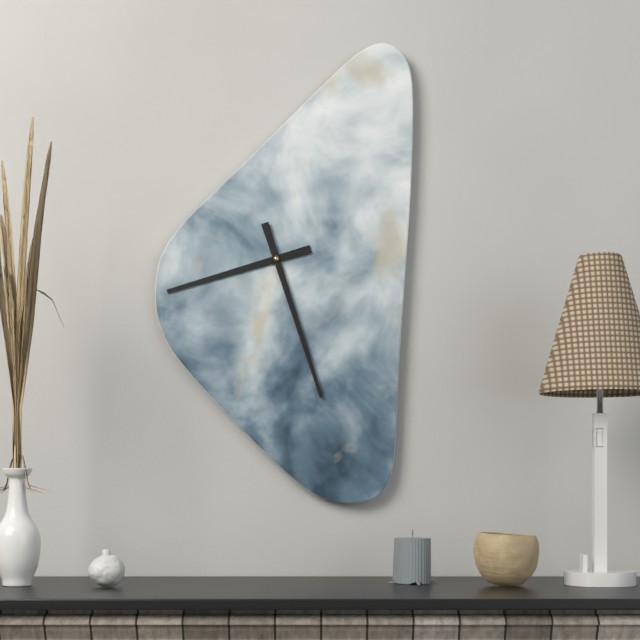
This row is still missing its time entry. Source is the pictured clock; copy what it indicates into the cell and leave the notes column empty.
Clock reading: 8:27
